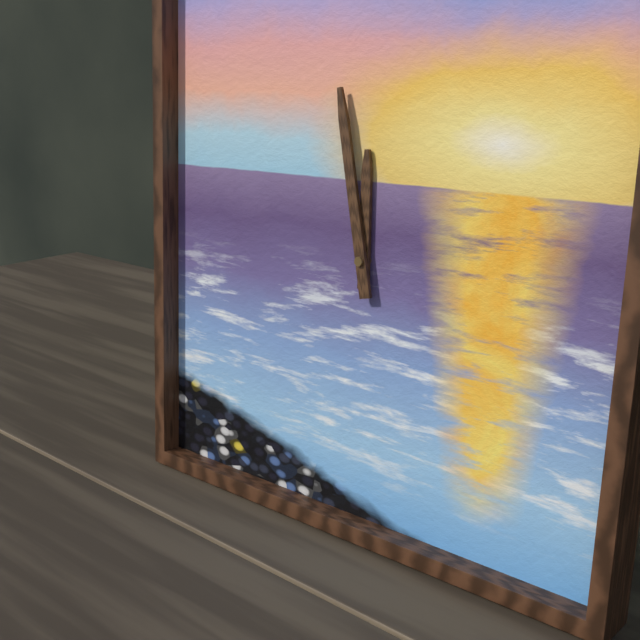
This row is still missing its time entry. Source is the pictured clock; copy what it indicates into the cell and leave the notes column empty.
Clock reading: 11:58
